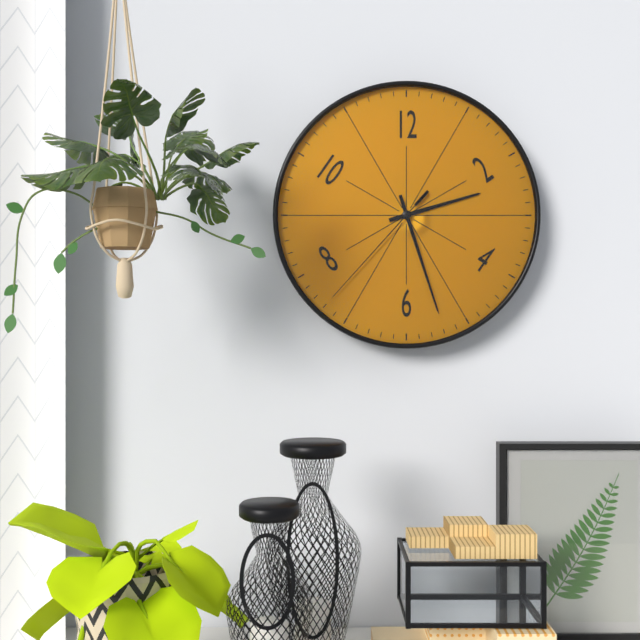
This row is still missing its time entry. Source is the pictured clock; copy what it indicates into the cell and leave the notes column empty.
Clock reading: 2:27:37
